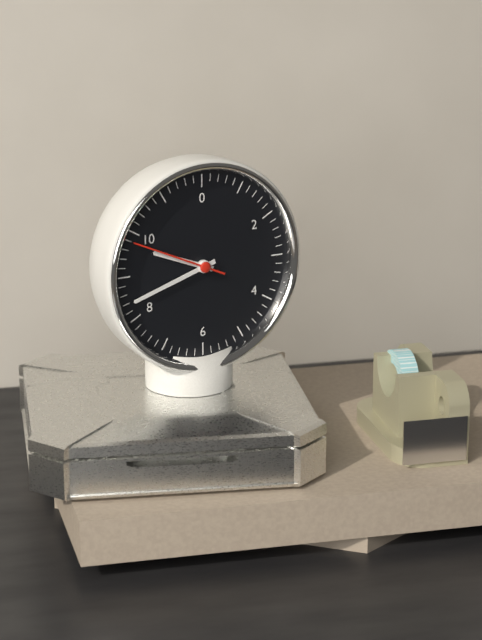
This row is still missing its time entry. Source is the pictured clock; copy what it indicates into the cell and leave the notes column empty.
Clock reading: 9:42:49
